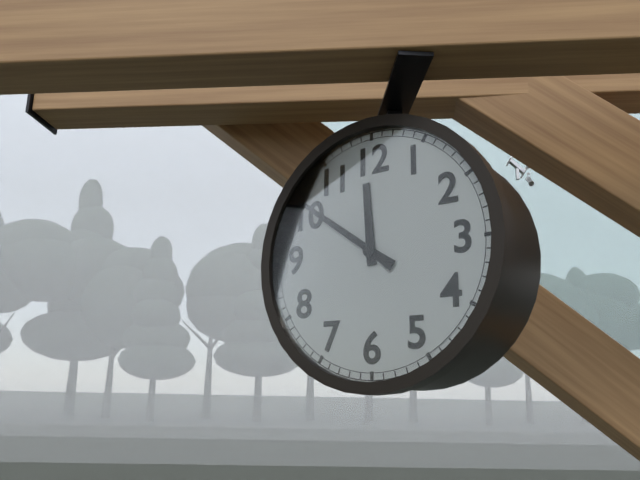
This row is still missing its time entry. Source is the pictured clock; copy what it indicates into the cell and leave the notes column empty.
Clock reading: 11:51
